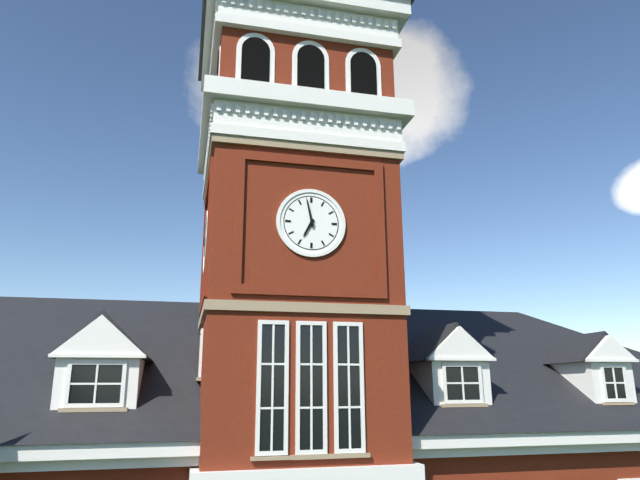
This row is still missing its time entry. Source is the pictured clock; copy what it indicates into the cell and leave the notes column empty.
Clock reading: 6:58
